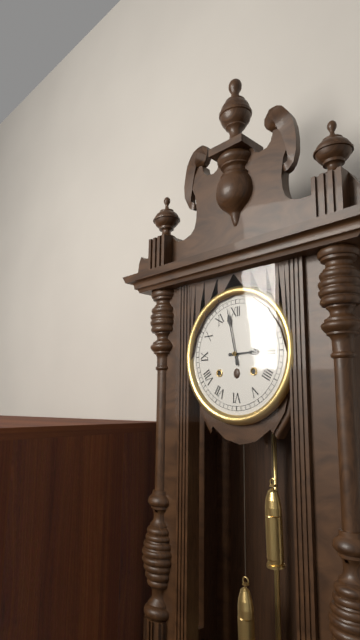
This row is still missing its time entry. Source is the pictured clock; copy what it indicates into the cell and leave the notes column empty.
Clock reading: 2:58
